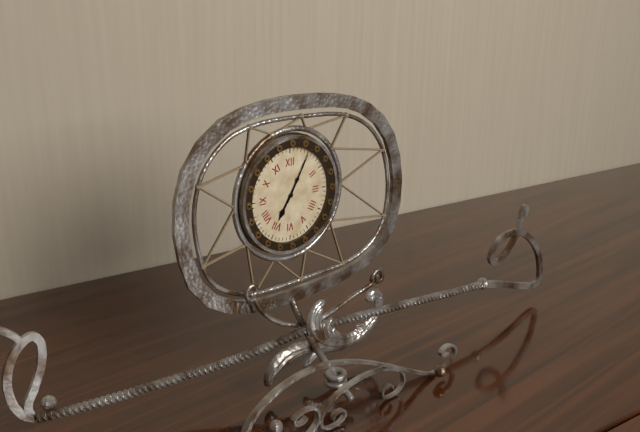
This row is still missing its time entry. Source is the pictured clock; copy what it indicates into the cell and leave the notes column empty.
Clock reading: 7:05
